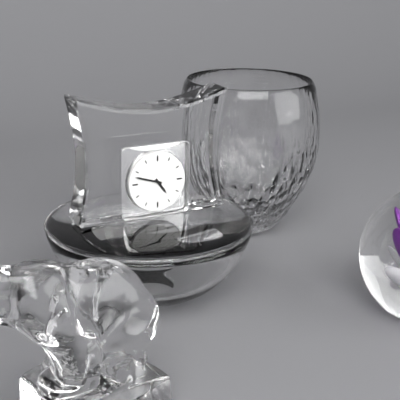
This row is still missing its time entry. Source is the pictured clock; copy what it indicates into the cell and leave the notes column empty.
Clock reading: 4:48
